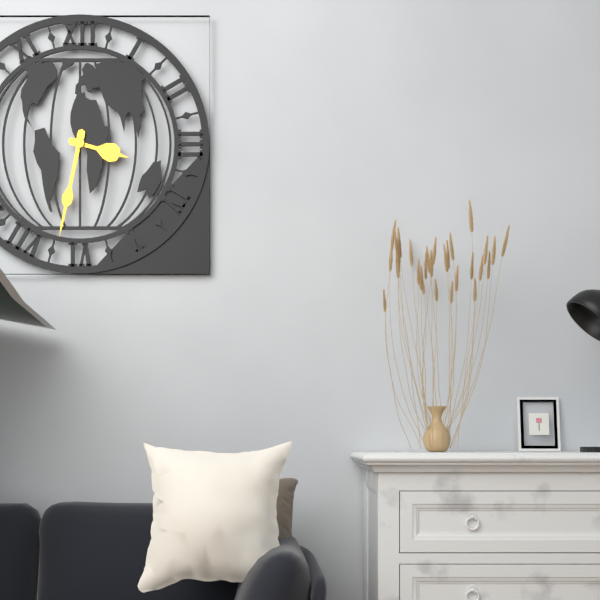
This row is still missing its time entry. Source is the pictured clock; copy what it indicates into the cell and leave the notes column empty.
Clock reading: 3:32
